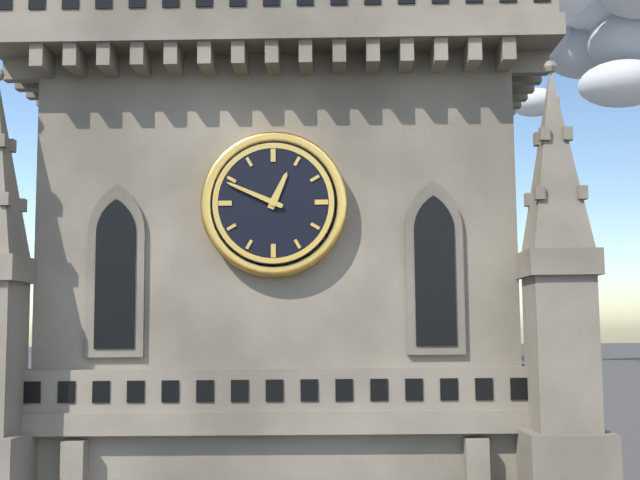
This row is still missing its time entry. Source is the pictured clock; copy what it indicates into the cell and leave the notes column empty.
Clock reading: 12:49
